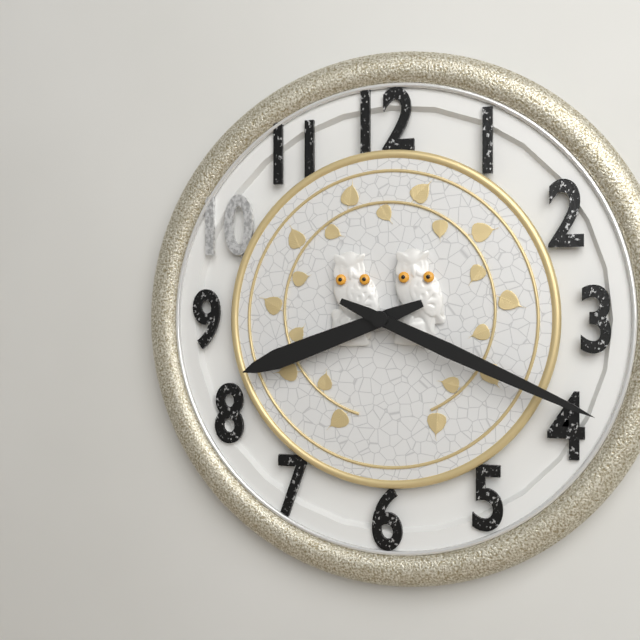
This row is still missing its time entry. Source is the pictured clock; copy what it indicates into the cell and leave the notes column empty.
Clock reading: 8:19
